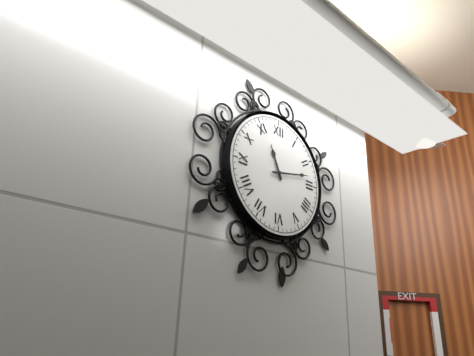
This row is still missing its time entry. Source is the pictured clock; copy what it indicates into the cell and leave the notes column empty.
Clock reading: 11:13
